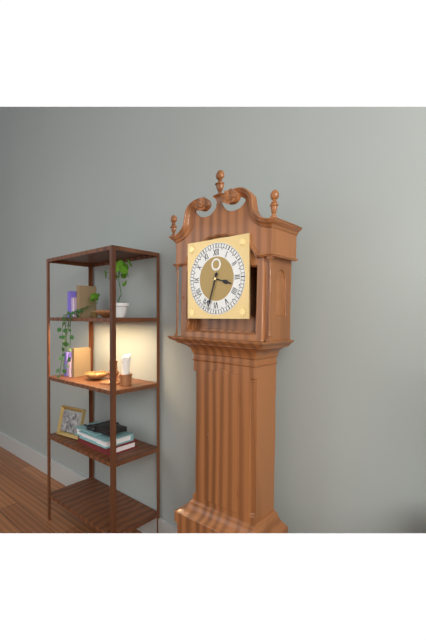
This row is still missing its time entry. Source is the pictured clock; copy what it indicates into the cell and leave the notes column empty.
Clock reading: 3:33
